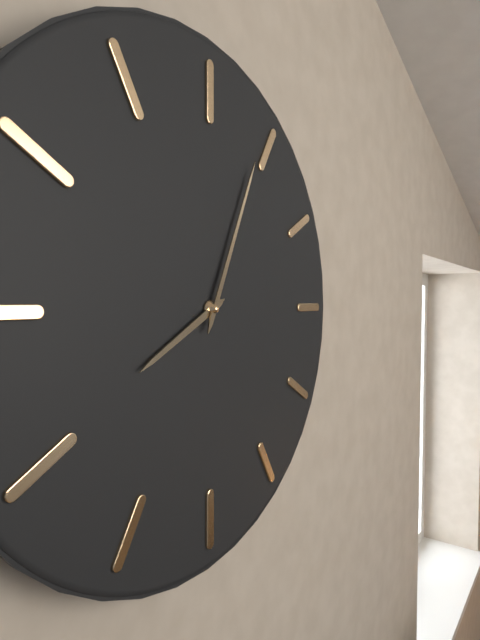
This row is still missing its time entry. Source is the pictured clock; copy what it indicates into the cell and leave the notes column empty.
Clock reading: 8:04
